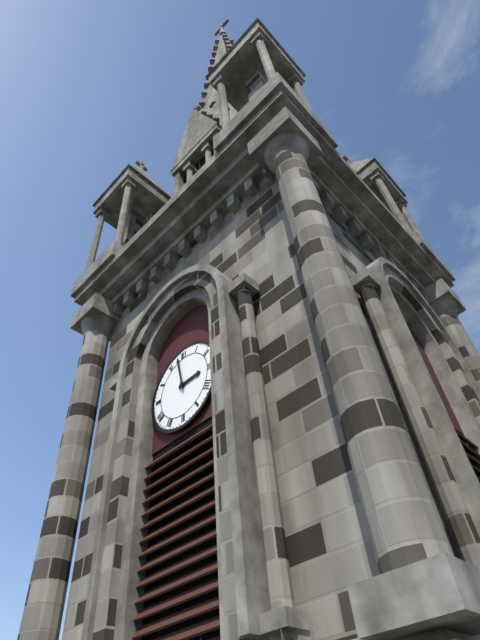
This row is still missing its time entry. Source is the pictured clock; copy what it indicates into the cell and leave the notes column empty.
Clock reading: 2:58
